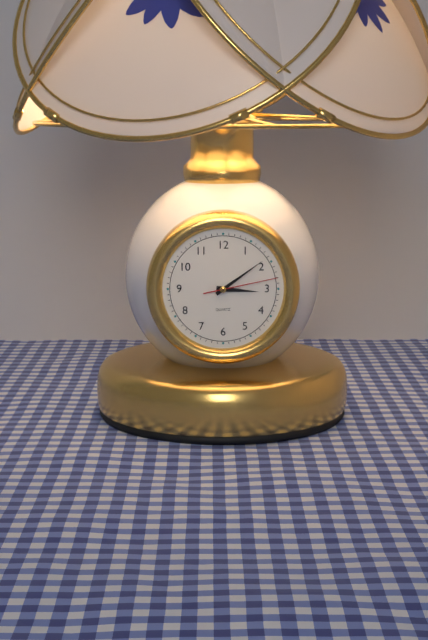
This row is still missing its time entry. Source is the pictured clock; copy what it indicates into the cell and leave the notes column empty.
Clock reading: 3:09:13
